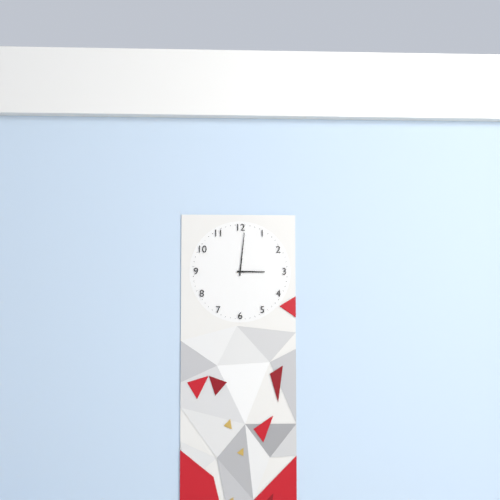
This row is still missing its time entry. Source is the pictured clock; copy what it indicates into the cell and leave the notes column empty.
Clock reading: 3:01
